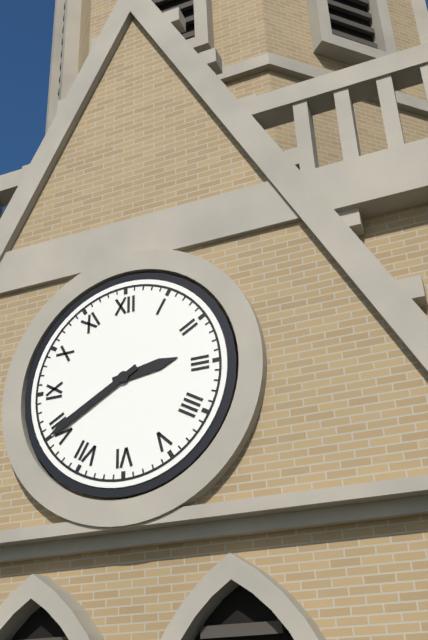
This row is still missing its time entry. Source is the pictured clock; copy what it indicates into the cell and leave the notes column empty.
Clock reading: 2:40
